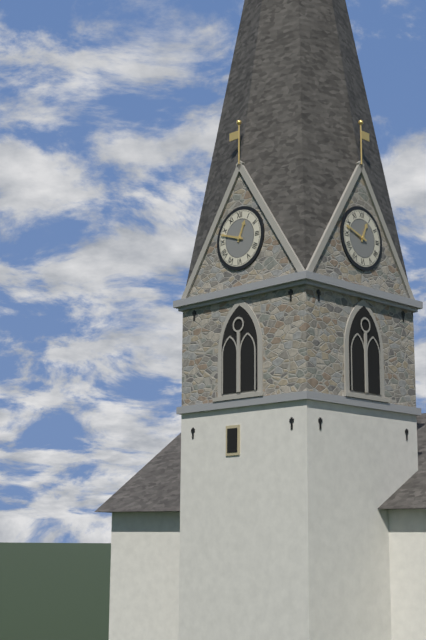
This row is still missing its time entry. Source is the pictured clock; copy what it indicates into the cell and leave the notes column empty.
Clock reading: 12:48
